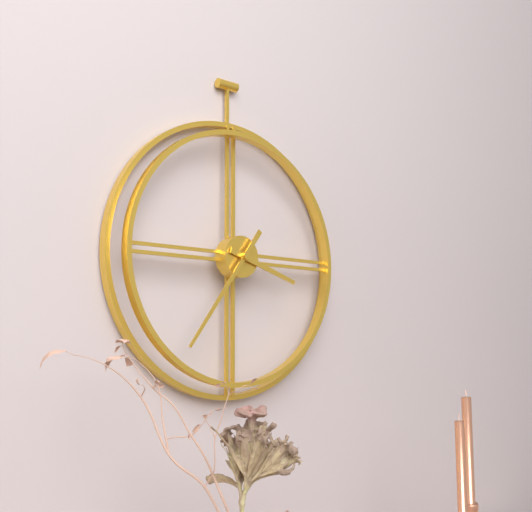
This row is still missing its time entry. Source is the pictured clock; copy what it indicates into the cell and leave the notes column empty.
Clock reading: 3:36
